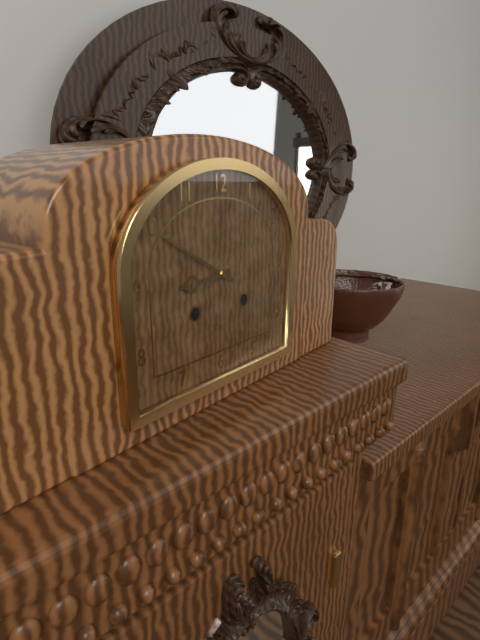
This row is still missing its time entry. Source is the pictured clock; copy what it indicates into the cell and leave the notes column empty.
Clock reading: 8:50
